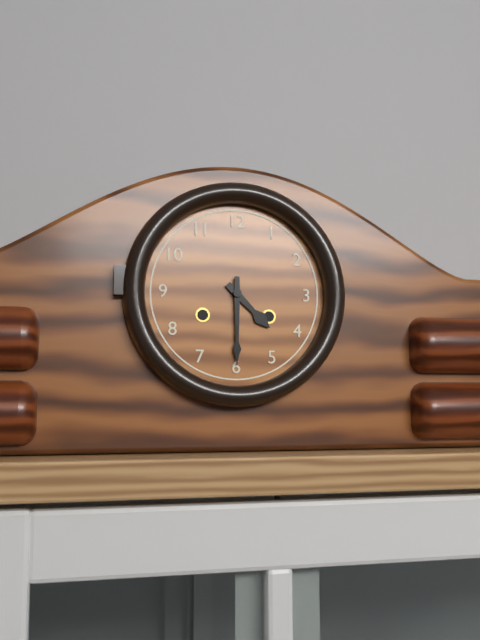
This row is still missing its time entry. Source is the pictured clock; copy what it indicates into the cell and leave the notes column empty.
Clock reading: 4:30
